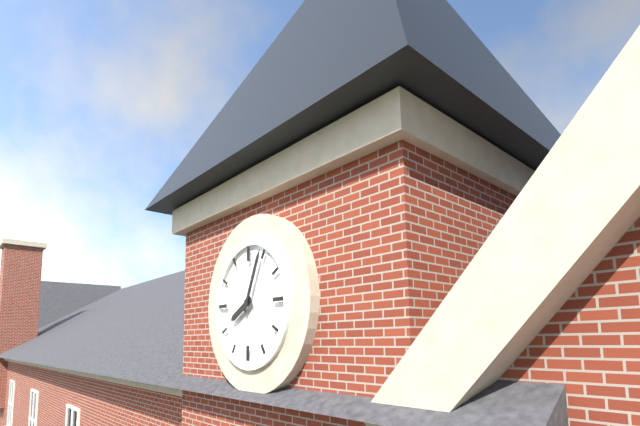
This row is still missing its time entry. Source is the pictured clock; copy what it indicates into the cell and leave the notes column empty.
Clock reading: 8:04
